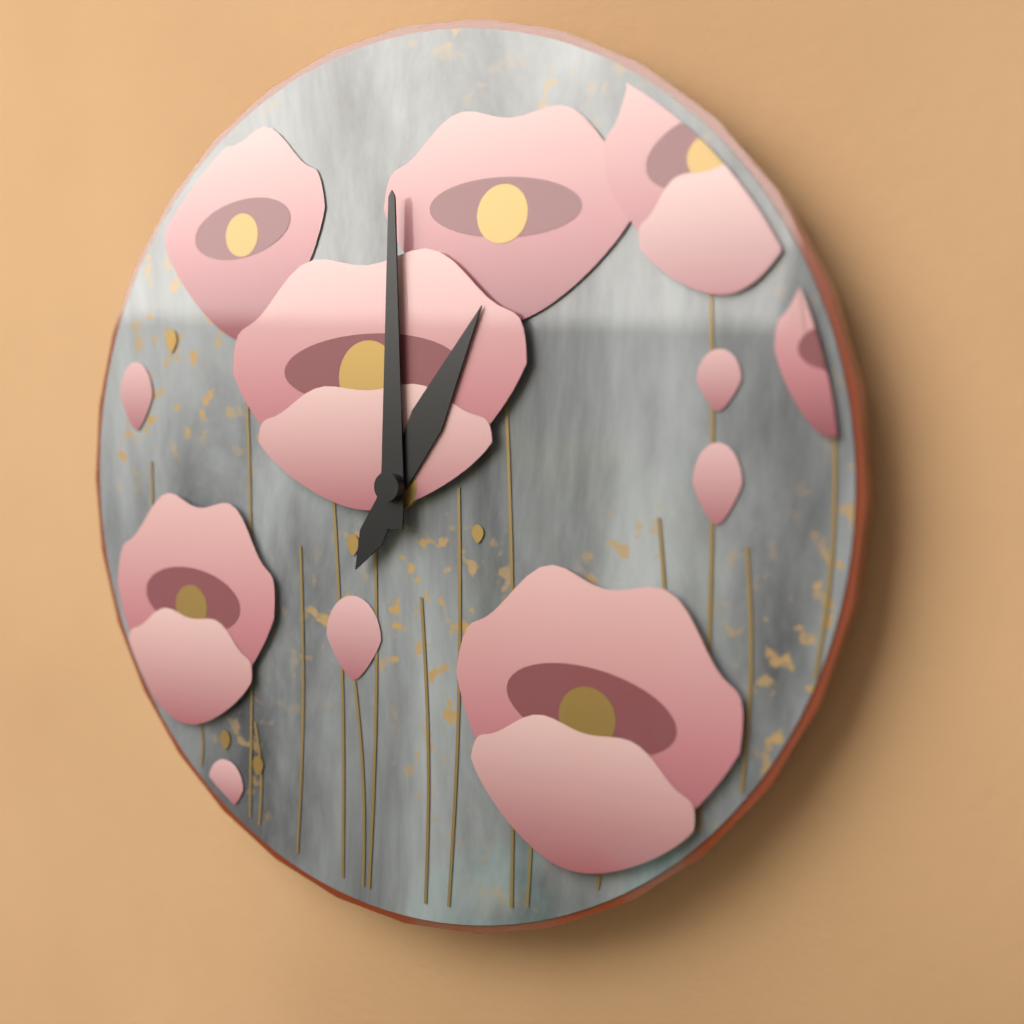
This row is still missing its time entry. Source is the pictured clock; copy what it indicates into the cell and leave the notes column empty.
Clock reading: 1:00
